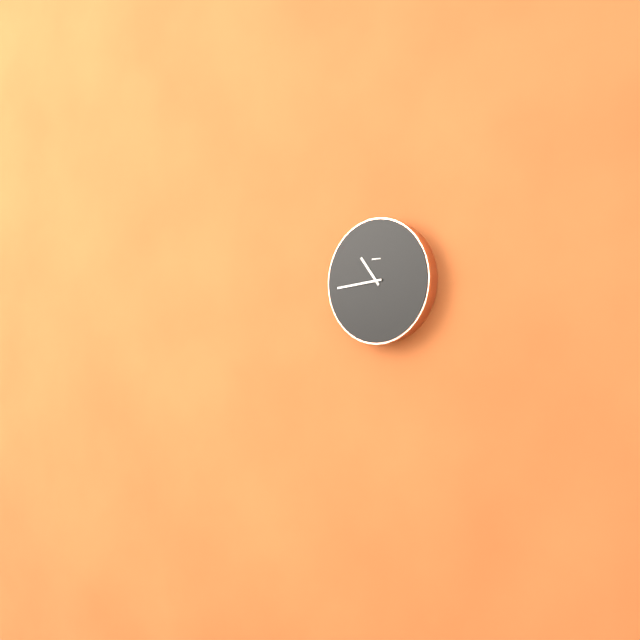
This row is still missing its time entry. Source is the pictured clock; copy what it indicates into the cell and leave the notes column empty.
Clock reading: 10:44
